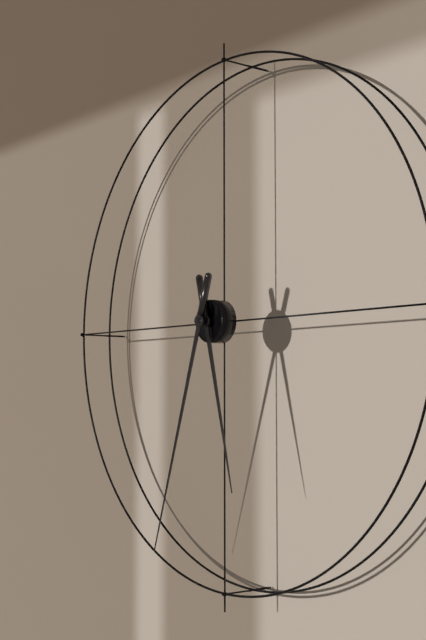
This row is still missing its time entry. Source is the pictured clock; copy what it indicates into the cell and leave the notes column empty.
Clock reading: 5:33
